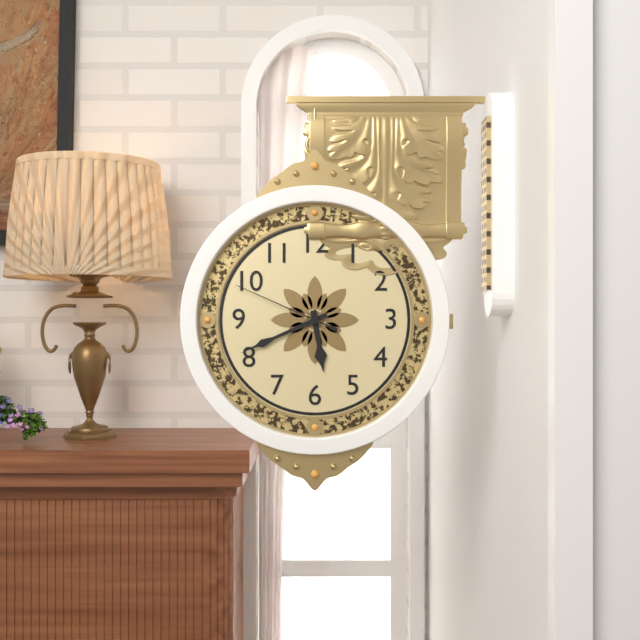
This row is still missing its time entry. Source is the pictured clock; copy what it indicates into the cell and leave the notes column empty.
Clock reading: 5:41:49
